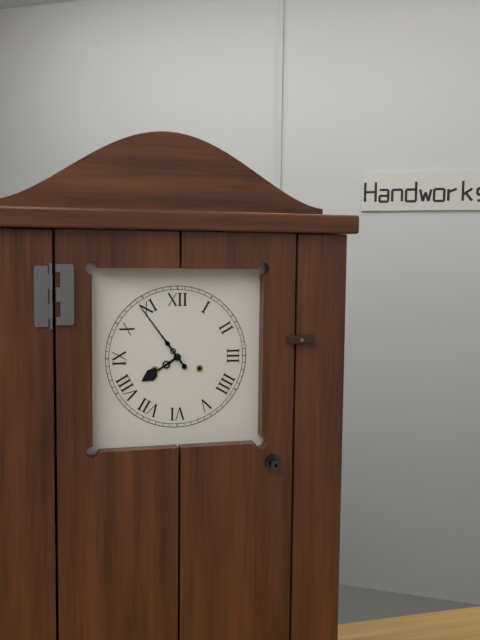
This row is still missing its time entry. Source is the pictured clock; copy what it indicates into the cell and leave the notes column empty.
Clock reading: 7:54
